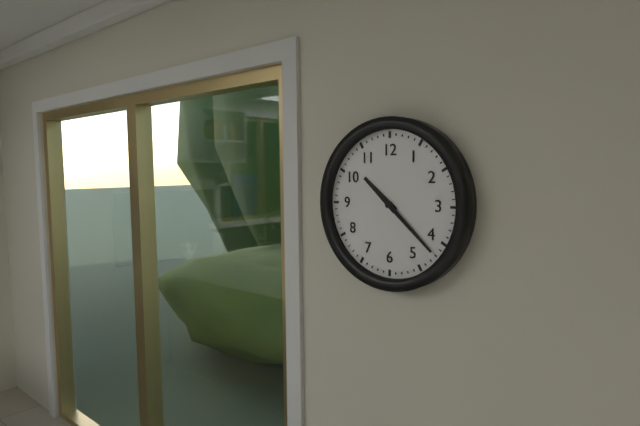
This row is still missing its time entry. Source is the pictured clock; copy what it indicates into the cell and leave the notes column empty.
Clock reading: 10:22
